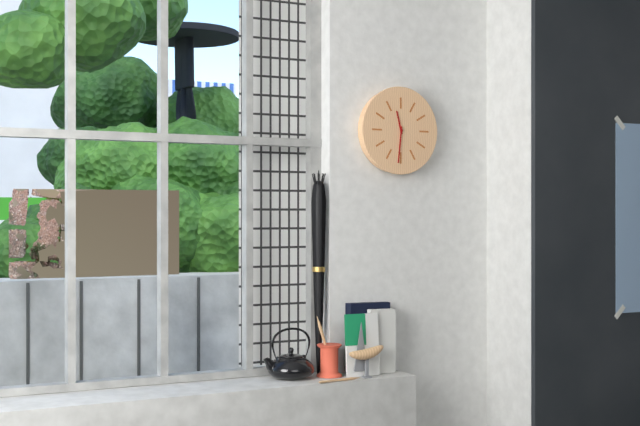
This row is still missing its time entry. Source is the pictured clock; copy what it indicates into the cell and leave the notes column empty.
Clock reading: 11:31
